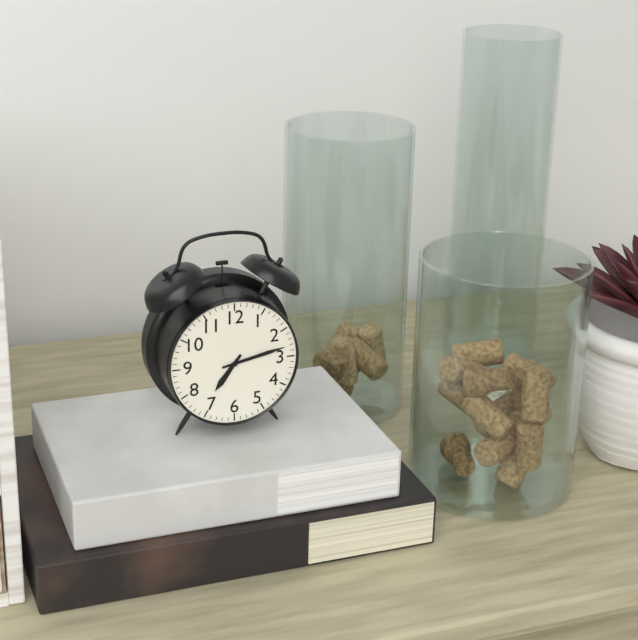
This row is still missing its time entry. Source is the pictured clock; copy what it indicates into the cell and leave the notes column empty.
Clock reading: 7:13
